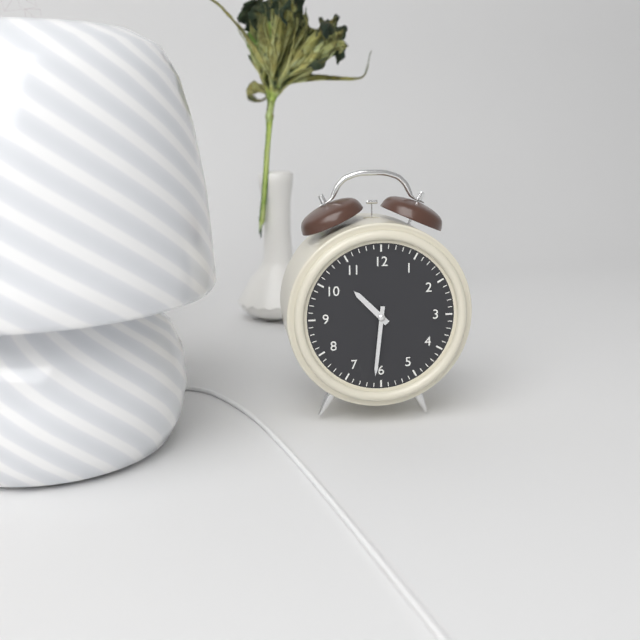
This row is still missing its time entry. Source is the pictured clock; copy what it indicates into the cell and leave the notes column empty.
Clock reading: 10:31
